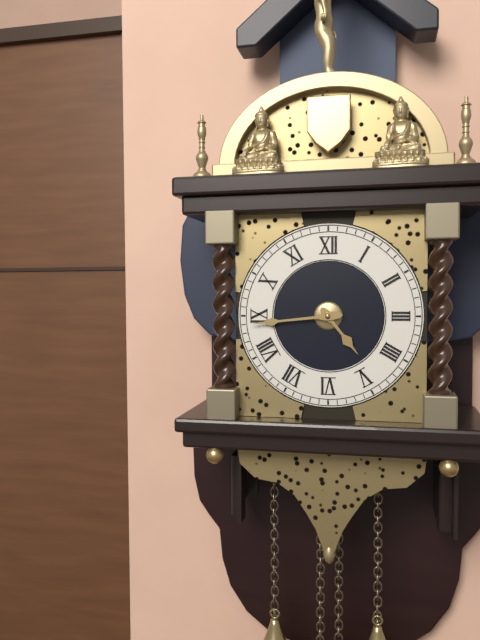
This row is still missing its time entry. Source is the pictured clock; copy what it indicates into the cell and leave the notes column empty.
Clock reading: 4:44
